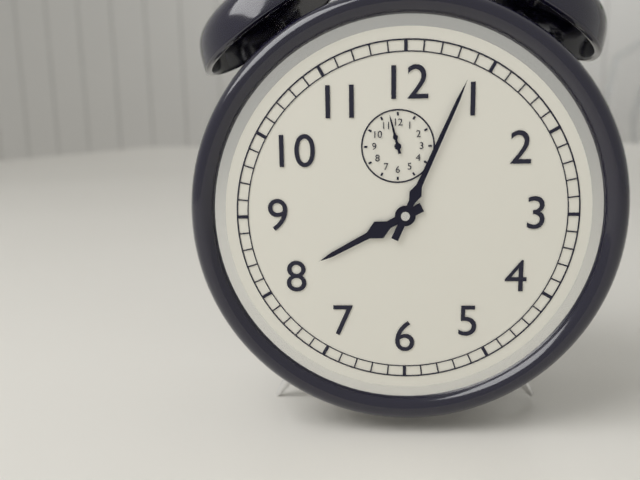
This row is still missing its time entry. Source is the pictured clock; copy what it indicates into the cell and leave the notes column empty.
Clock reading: 8:04
